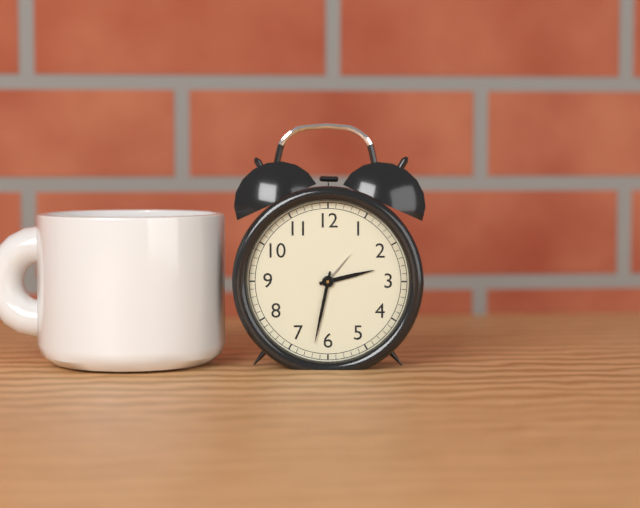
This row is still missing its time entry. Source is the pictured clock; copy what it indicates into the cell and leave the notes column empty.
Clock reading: 2:32
